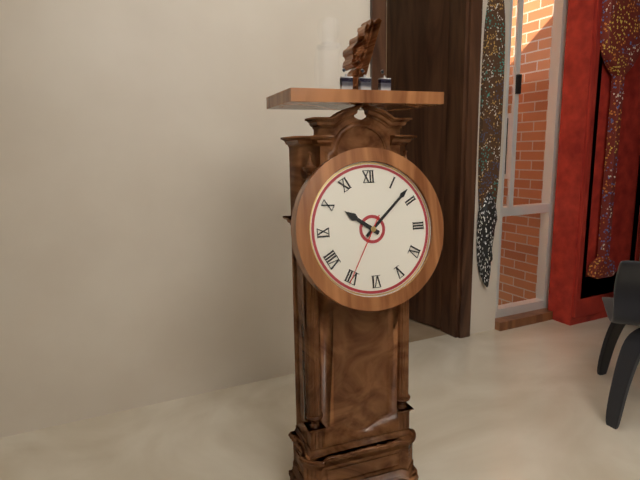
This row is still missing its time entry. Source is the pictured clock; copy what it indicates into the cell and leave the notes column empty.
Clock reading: 10:08:35
